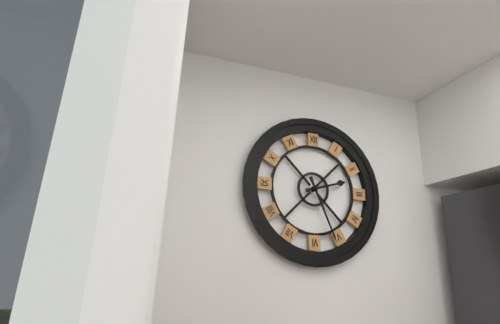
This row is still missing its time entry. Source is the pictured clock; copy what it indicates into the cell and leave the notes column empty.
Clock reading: 2:26
